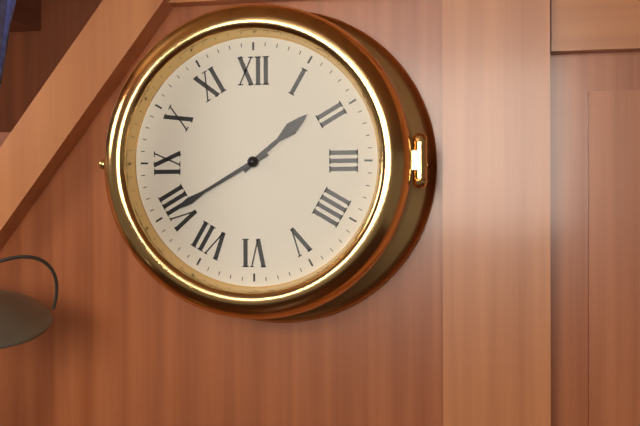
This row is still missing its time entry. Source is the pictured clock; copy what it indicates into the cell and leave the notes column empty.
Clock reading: 1:40
